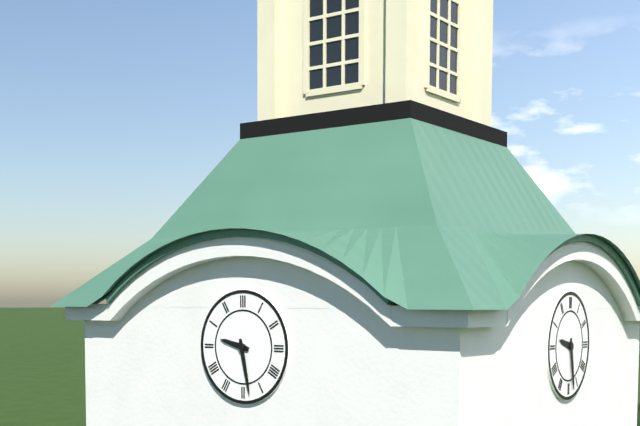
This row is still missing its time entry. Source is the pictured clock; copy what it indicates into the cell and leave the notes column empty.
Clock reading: 9:28
